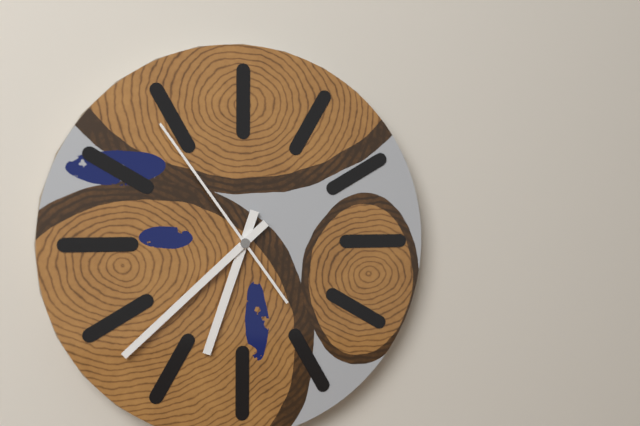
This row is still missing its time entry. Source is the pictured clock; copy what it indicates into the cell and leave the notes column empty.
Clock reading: 6:38:54
